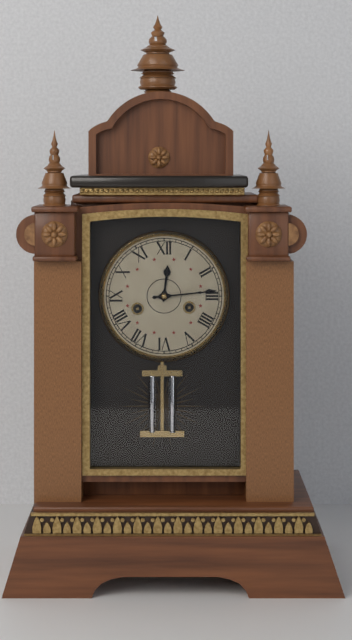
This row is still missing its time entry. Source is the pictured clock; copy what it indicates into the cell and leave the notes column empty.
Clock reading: 12:14
